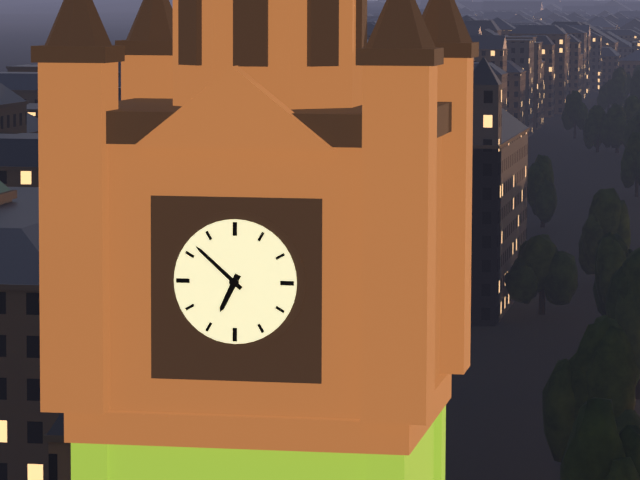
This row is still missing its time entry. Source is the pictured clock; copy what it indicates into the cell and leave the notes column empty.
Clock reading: 6:52
